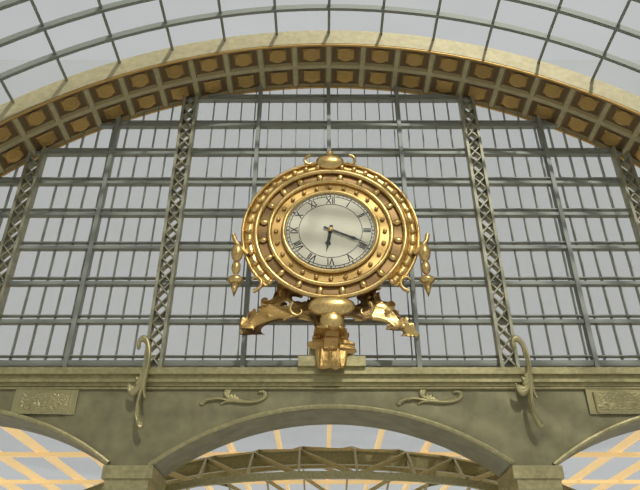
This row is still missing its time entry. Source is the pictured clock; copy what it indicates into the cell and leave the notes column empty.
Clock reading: 6:19
